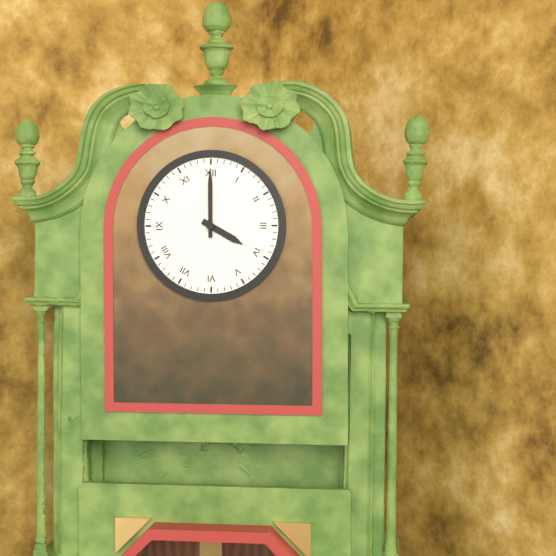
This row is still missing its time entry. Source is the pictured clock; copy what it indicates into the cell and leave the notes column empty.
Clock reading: 4:00
